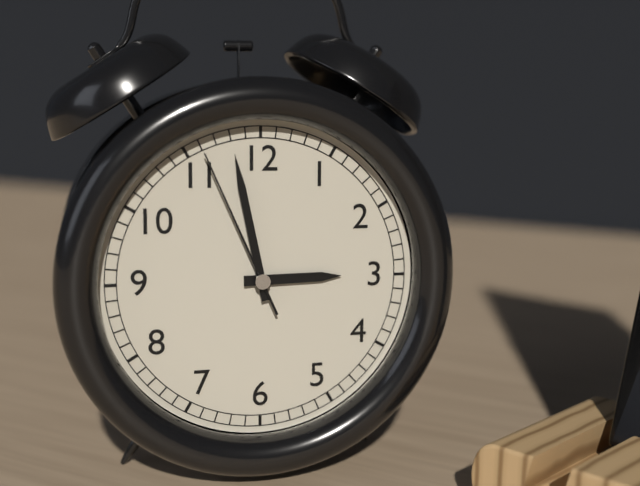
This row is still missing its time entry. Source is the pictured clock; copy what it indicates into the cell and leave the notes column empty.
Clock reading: 2:58:56
